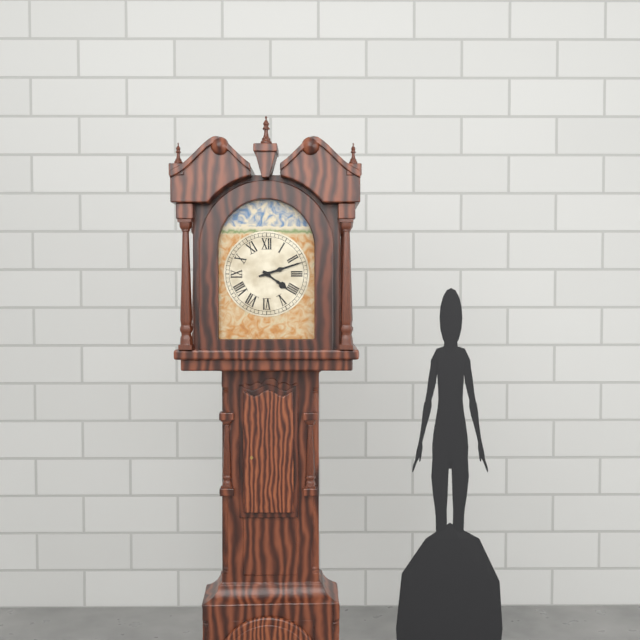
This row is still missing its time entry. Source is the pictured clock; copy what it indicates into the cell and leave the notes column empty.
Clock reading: 4:12
